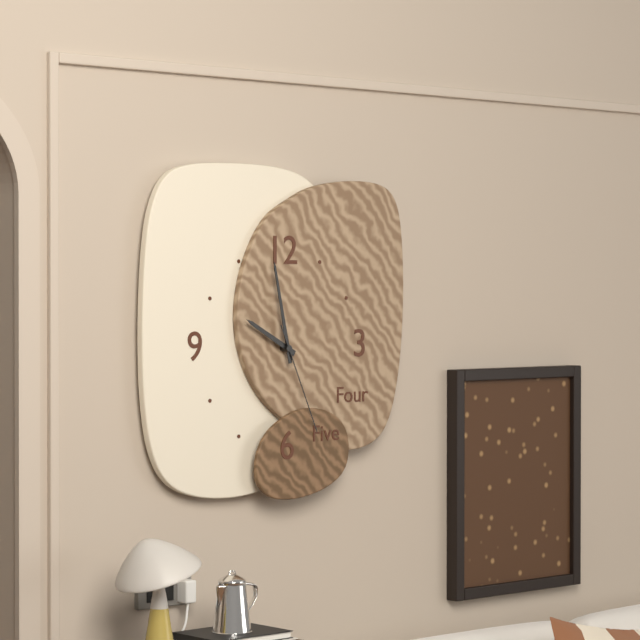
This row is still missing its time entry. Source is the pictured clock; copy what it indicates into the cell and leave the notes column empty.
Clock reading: 9:58:26
